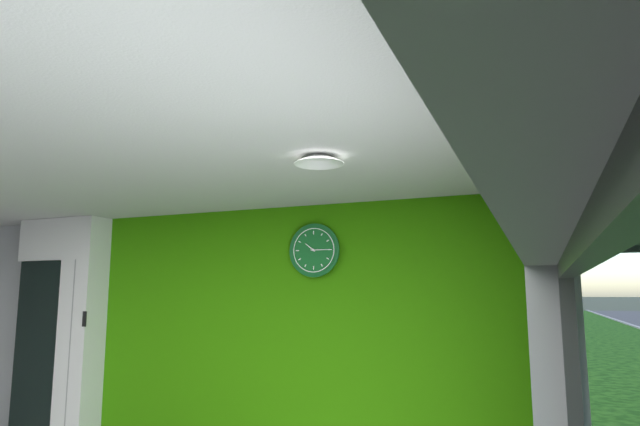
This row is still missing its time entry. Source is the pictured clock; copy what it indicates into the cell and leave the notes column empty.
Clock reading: 10:15
